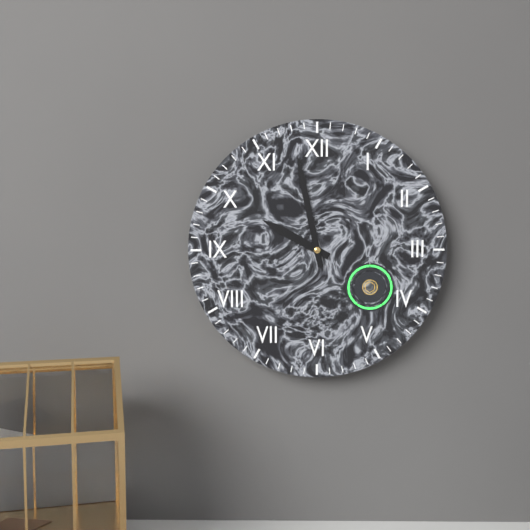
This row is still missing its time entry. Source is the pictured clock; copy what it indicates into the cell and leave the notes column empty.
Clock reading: 9:58
